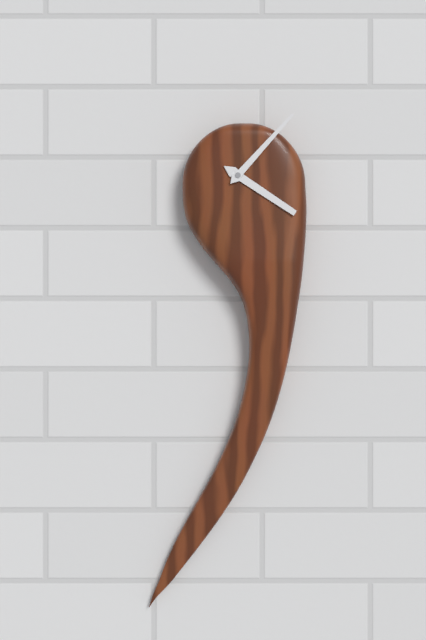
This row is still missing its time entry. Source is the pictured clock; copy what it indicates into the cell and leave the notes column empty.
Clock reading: 4:07
